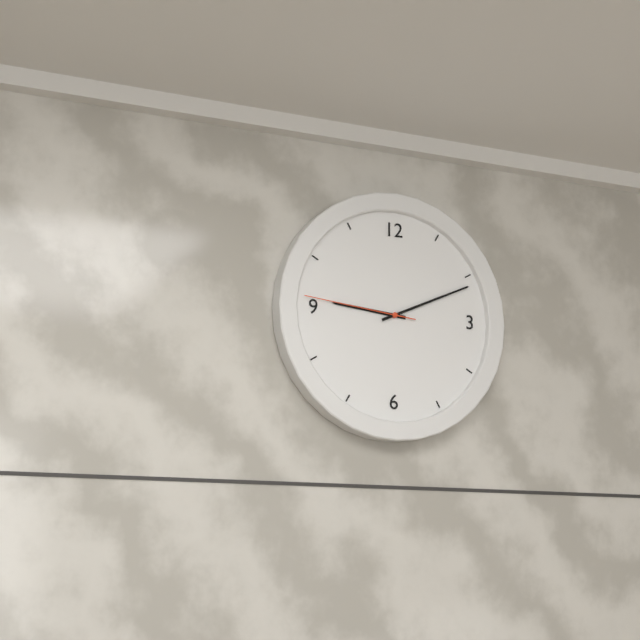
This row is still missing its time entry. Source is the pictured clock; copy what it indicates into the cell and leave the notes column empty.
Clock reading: 9:11:46
